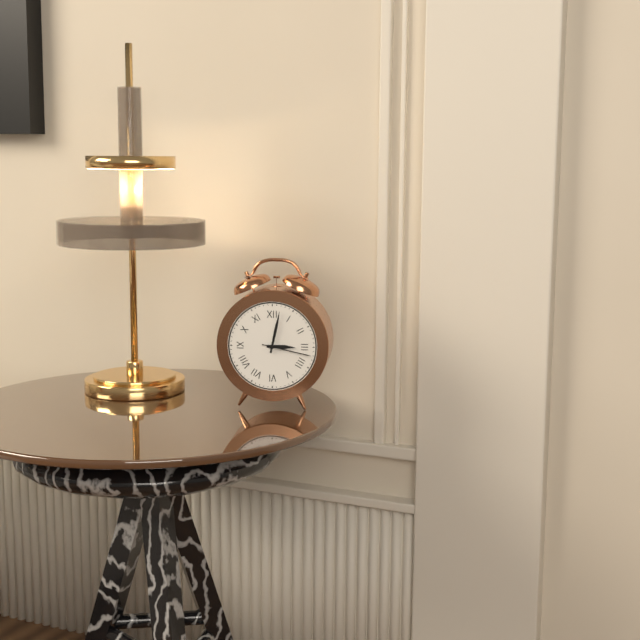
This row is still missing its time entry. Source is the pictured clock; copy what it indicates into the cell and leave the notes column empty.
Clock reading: 3:02
